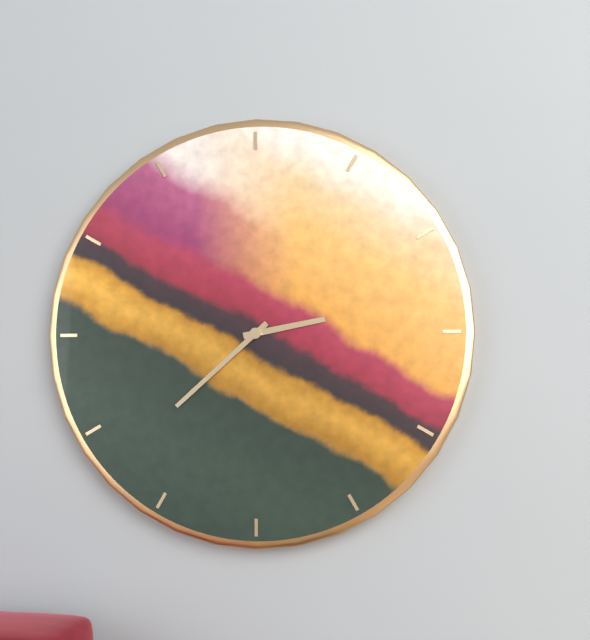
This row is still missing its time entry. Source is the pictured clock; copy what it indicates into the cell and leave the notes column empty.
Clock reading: 2:38
